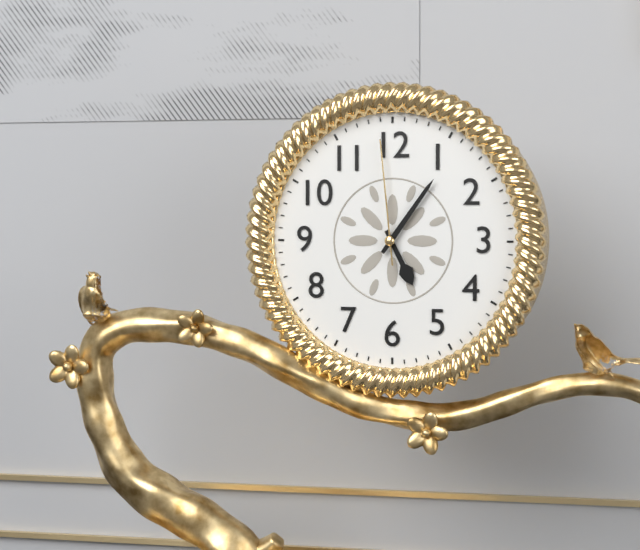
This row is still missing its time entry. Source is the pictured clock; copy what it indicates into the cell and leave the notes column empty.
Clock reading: 5:06:59
